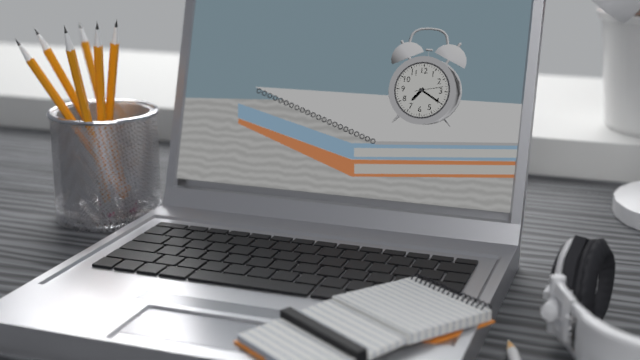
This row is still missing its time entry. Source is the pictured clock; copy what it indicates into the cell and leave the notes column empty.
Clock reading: 7:20
